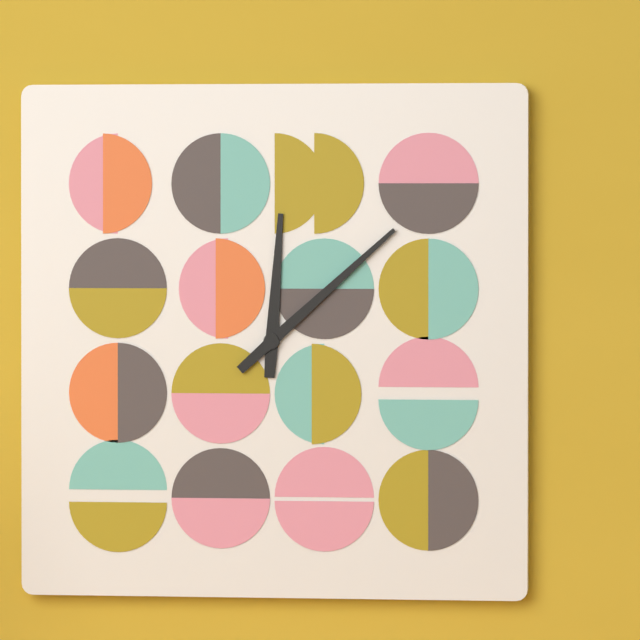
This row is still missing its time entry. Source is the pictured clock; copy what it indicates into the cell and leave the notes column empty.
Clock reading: 12:08
